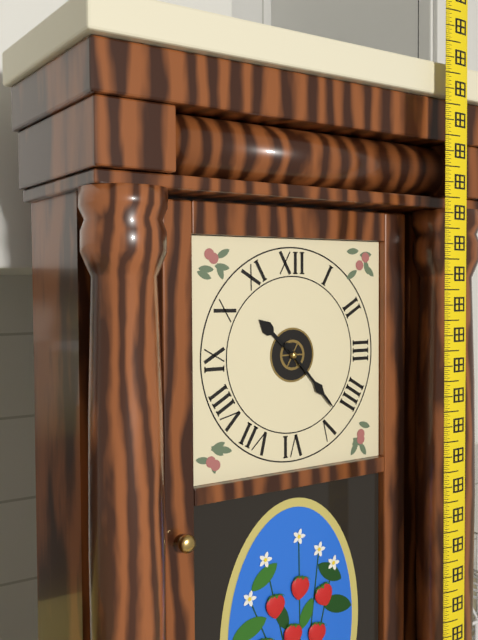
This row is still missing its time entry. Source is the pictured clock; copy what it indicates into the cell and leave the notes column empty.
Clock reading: 10:23
